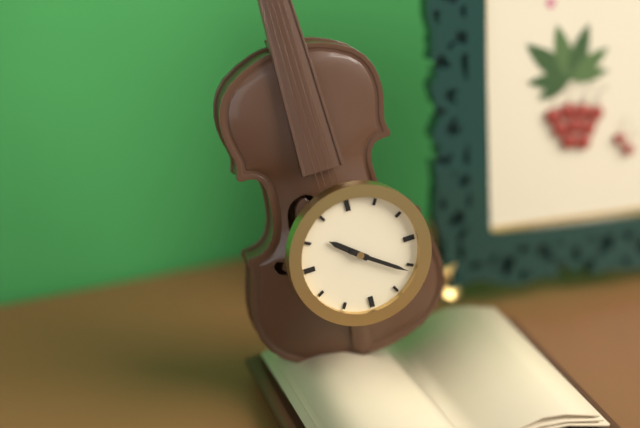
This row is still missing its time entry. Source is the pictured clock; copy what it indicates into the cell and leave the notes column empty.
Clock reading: 10:21
